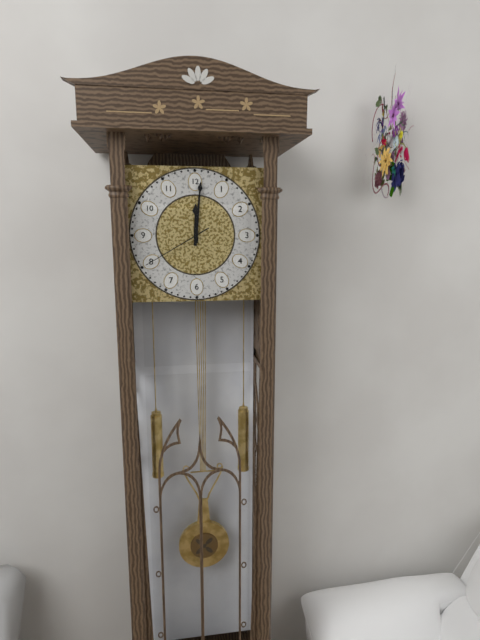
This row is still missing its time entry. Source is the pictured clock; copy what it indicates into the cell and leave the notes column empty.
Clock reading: 12:01:40
